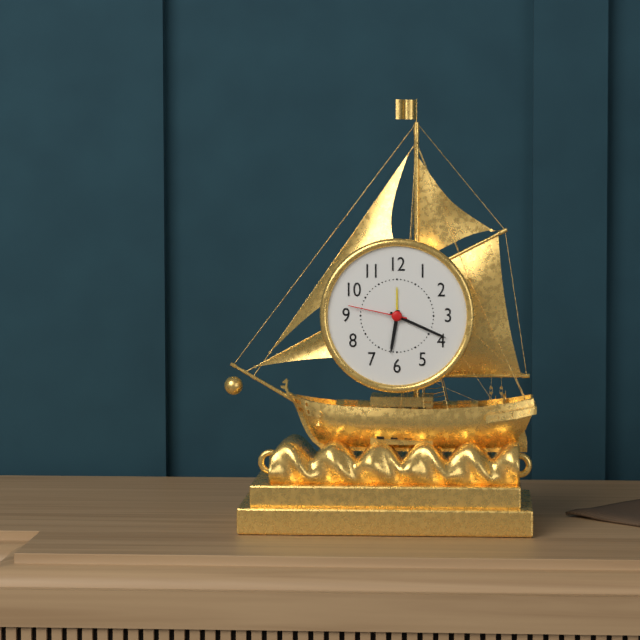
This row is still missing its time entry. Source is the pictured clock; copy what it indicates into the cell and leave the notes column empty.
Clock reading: 6:19:47
